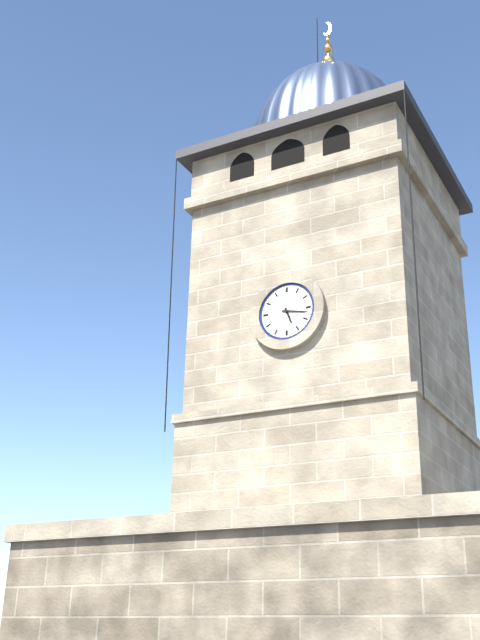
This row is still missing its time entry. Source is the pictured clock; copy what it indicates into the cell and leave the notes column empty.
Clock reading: 5:17
